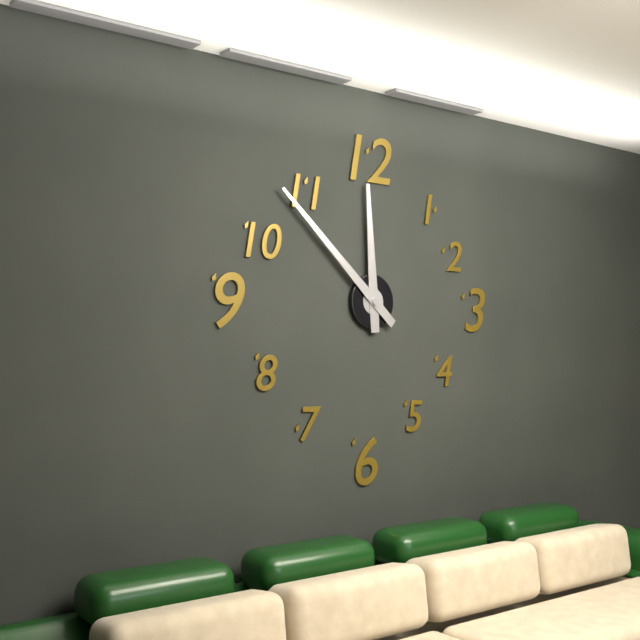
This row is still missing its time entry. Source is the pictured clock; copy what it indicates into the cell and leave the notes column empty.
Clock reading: 11:52
